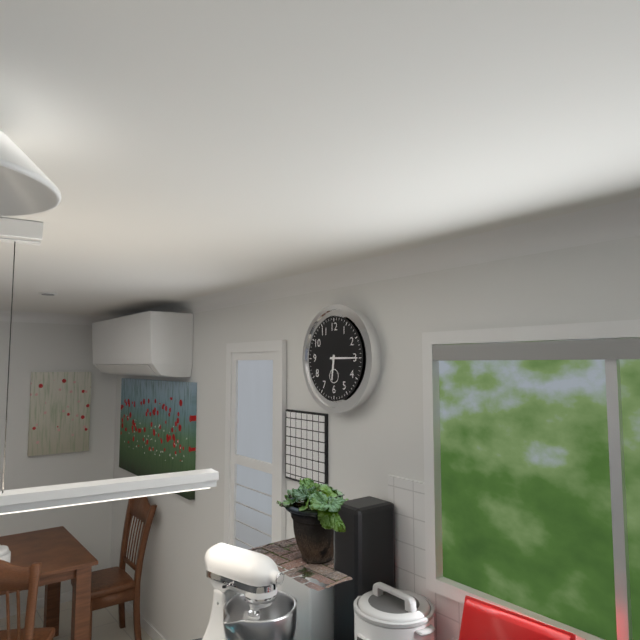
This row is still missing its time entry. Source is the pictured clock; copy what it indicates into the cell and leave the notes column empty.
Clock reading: 6:15
